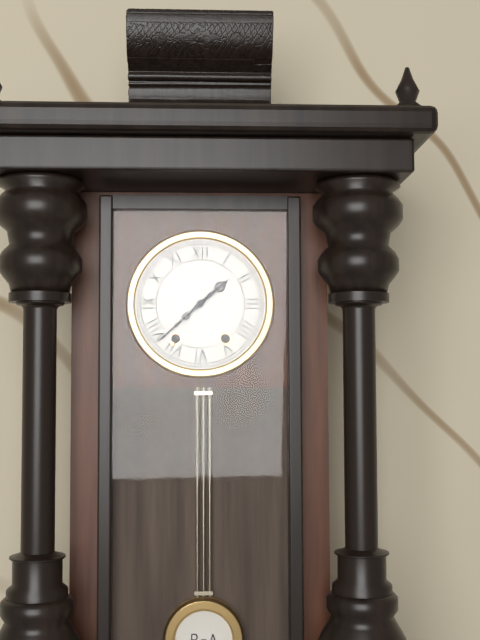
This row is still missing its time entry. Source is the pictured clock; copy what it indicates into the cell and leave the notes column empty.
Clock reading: 1:38
